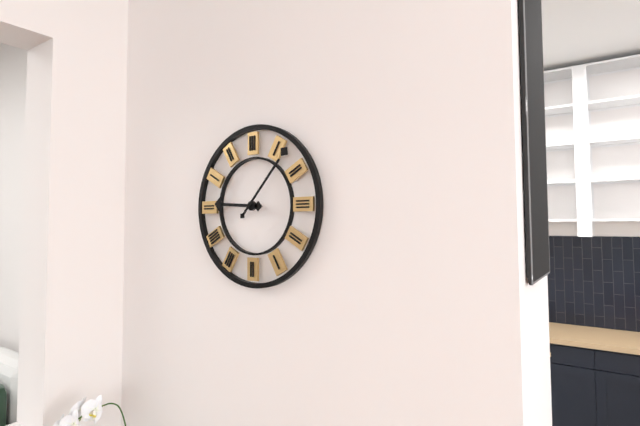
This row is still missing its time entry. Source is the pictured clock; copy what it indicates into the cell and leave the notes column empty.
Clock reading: 9:07
